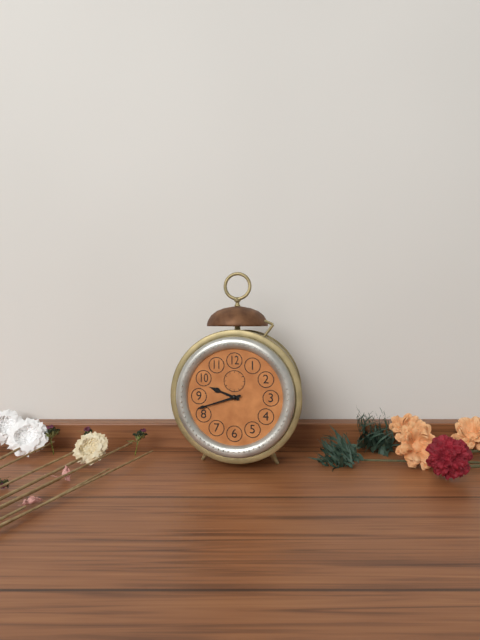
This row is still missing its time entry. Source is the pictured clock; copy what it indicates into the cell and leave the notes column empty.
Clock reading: 9:42
